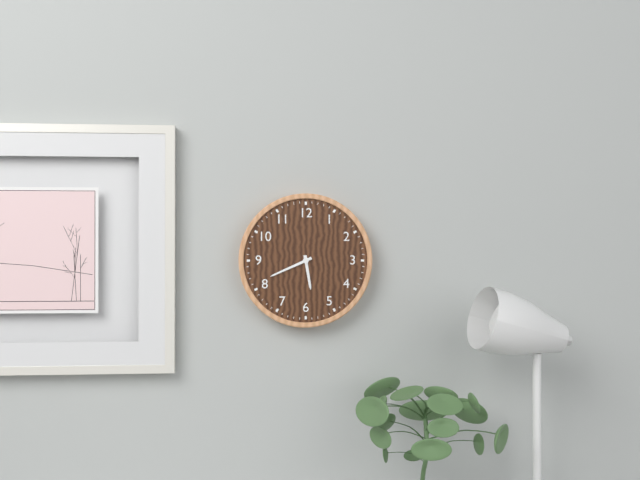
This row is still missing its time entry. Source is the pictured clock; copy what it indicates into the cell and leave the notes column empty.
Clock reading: 5:41
